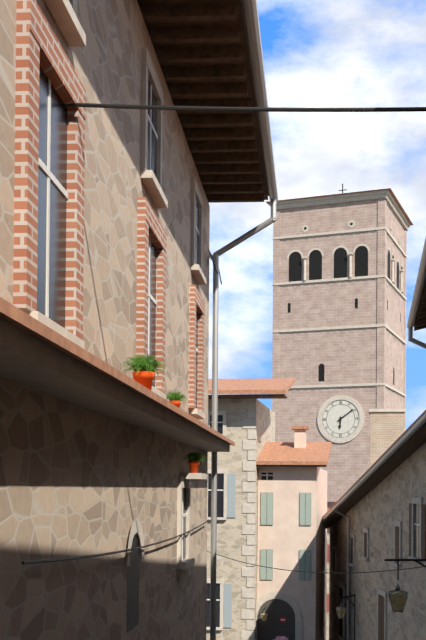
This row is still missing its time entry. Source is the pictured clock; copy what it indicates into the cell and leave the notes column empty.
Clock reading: 6:09
